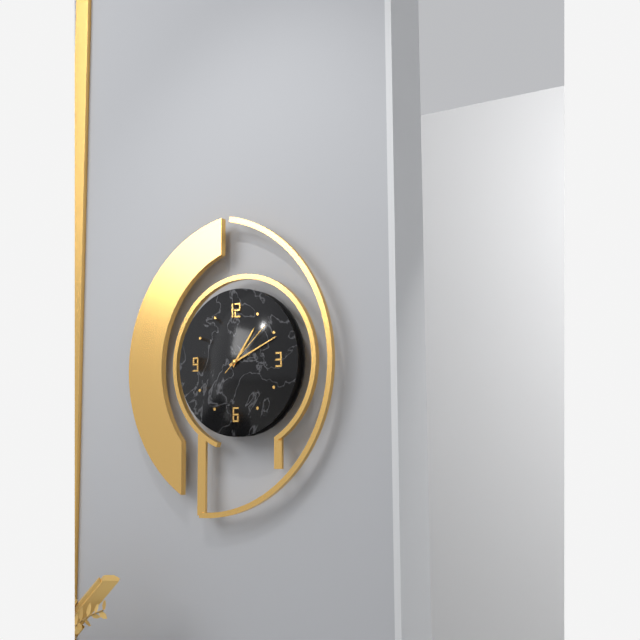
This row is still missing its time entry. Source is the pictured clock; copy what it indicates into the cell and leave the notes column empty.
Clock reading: 1:11:08
